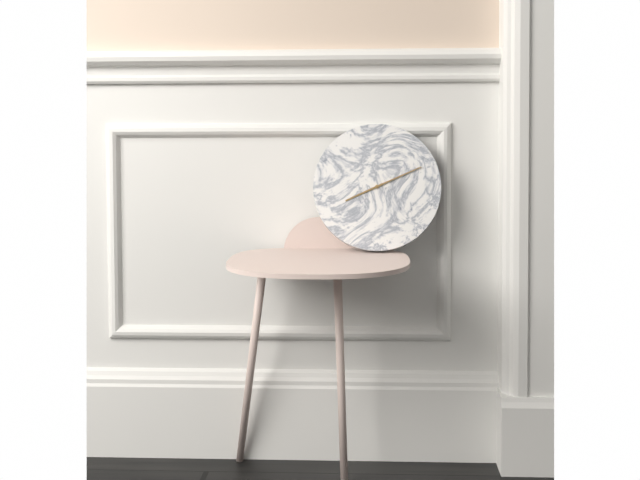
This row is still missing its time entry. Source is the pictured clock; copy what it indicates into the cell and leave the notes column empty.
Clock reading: 8:11
